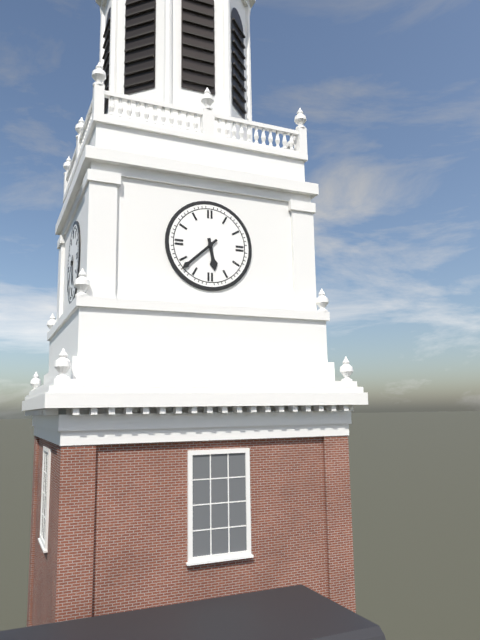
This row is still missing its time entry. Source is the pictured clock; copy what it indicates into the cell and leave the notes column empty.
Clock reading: 5:38
